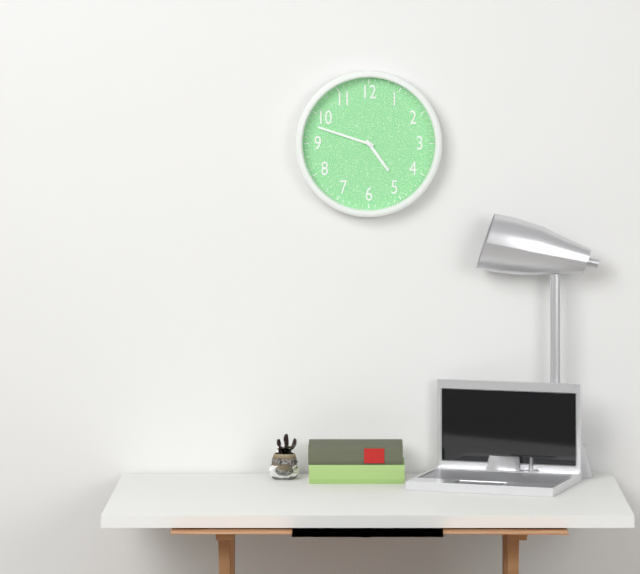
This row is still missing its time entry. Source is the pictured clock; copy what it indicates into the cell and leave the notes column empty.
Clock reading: 4:48
